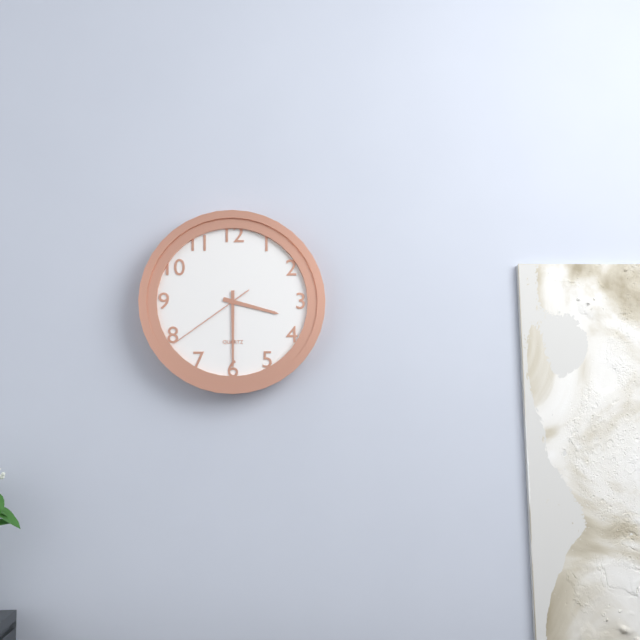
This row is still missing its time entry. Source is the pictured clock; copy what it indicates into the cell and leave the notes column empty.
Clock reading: 3:30:39
